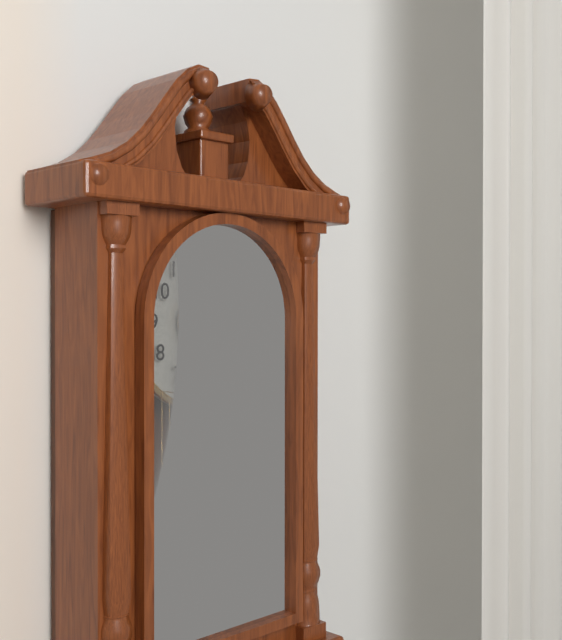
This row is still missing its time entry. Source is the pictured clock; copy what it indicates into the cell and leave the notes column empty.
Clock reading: 2:30
